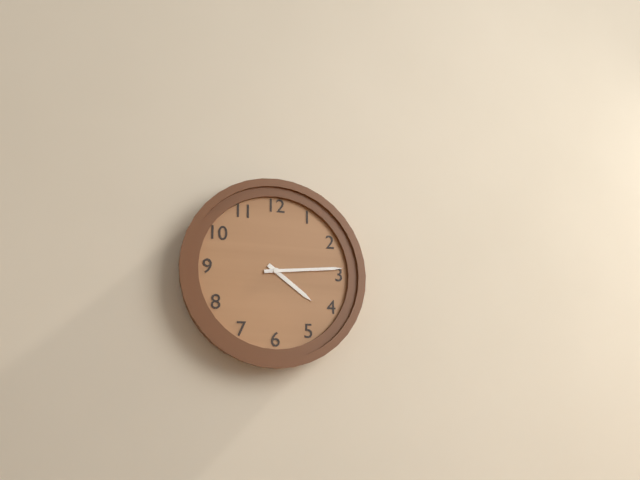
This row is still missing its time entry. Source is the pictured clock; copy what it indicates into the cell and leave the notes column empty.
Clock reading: 4:14
